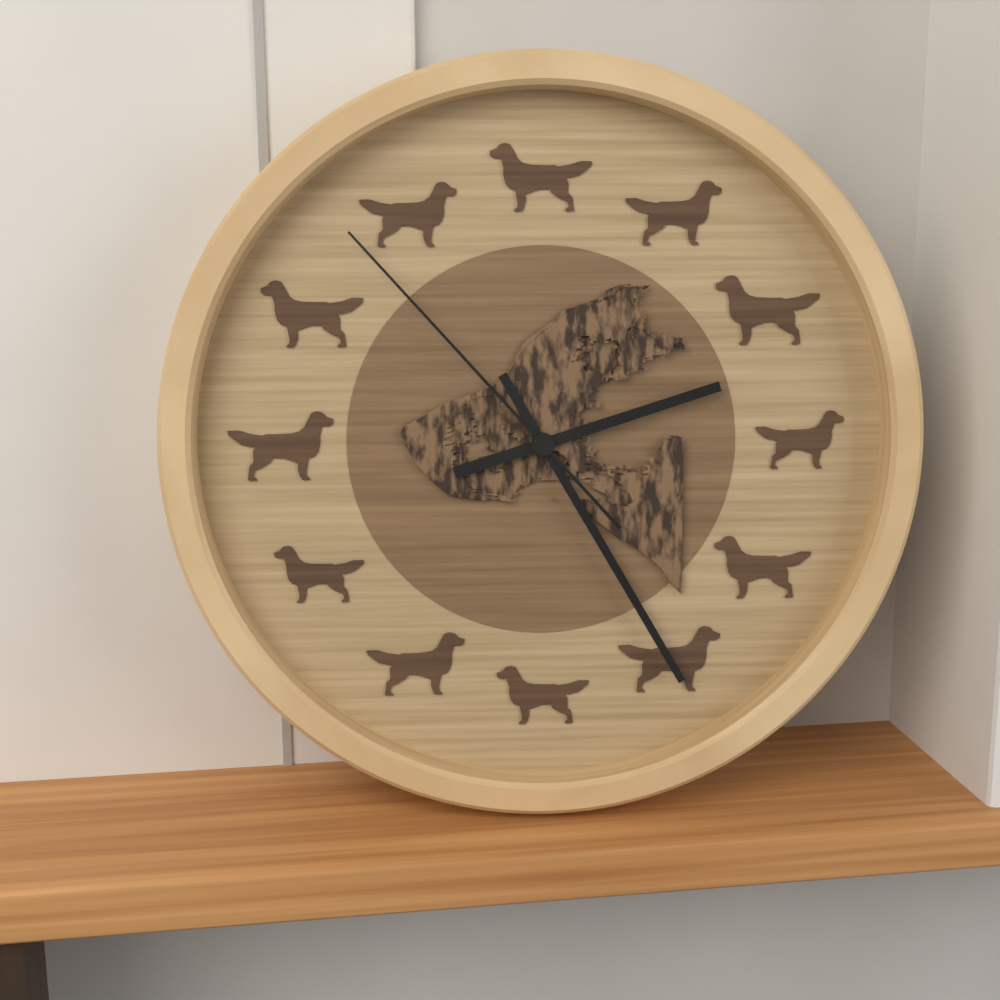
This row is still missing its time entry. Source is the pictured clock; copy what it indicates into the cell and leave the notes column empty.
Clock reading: 2:25:53
